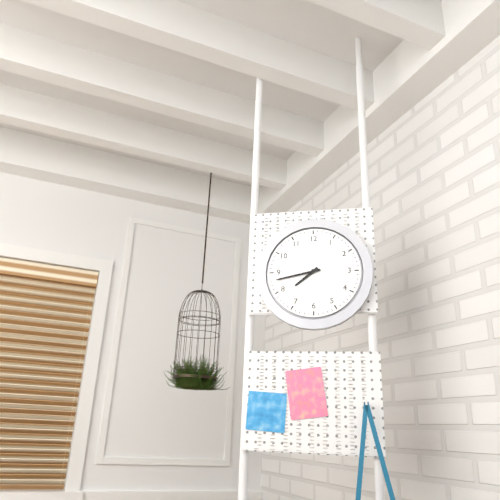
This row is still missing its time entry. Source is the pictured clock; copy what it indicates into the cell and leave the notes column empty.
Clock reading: 7:43
